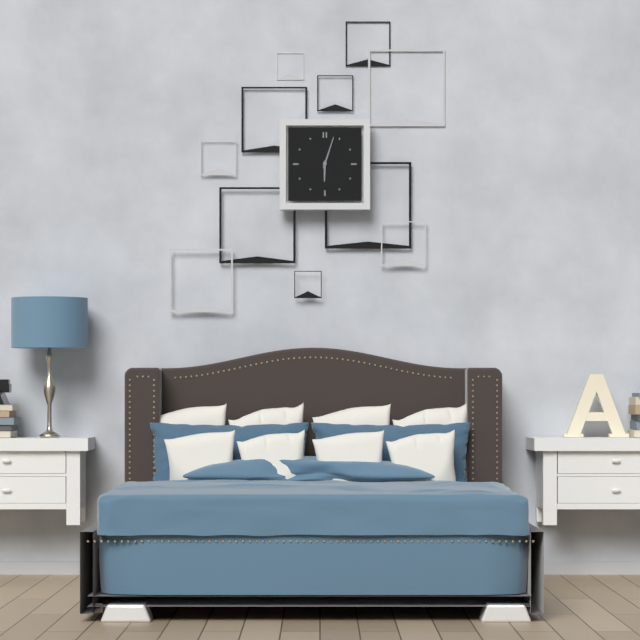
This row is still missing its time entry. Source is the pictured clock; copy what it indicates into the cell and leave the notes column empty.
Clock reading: 6:03
